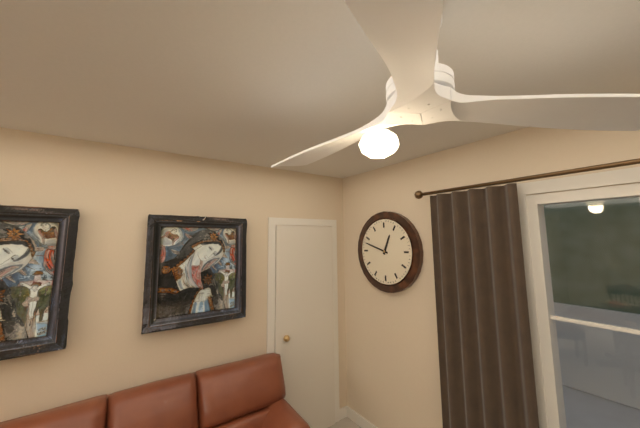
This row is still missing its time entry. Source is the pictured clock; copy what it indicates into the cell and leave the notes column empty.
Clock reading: 12:48
